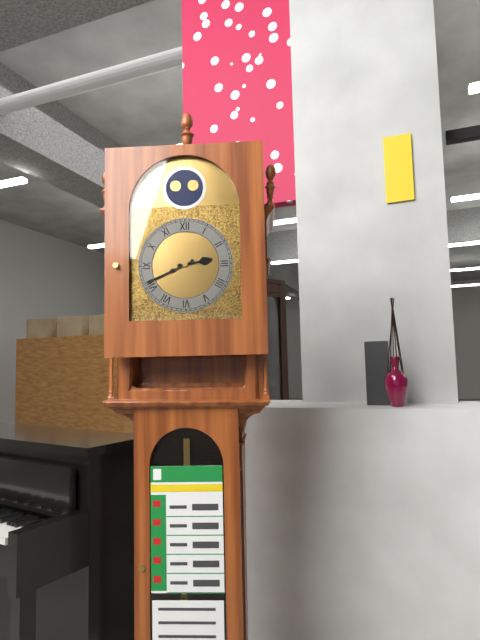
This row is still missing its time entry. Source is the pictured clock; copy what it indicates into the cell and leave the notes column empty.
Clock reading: 2:41
